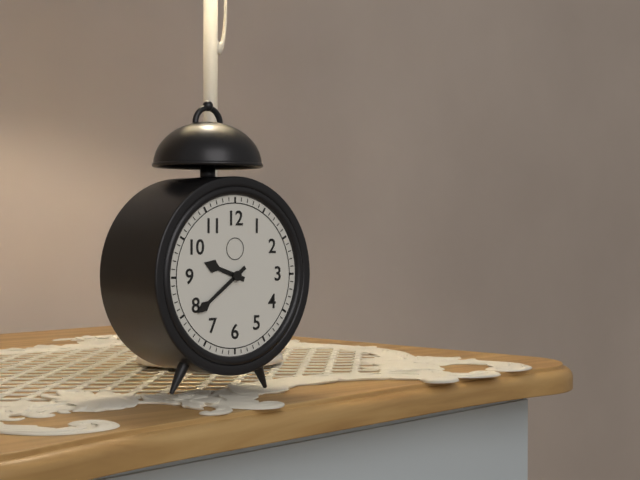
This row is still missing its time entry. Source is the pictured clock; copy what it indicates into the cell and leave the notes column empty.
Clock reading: 9:39
